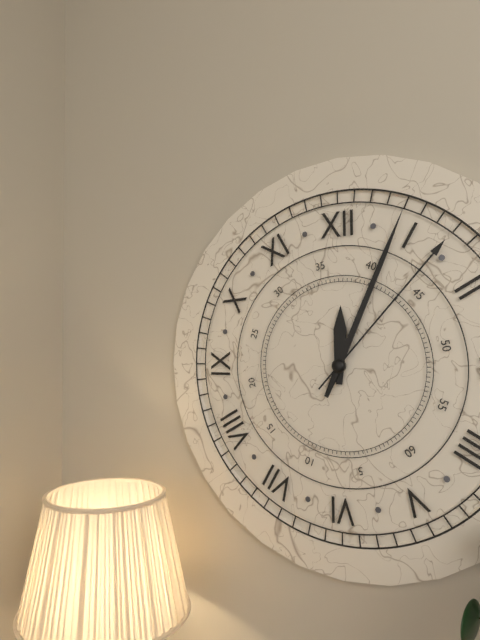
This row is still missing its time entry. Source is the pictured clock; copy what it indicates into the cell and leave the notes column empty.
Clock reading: 12:04:07
